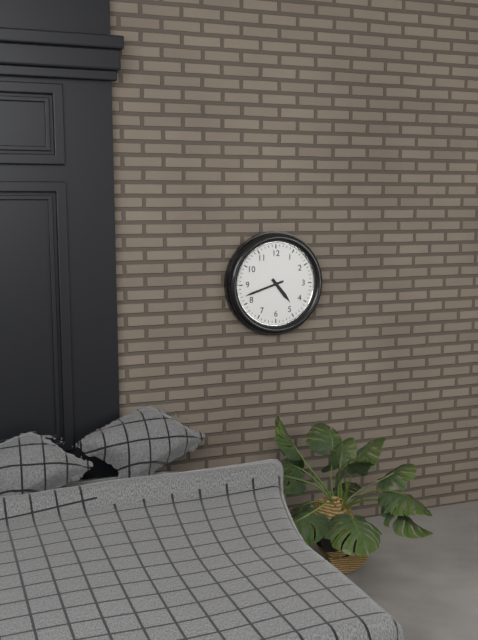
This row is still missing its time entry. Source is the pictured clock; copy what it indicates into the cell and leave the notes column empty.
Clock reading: 4:42
